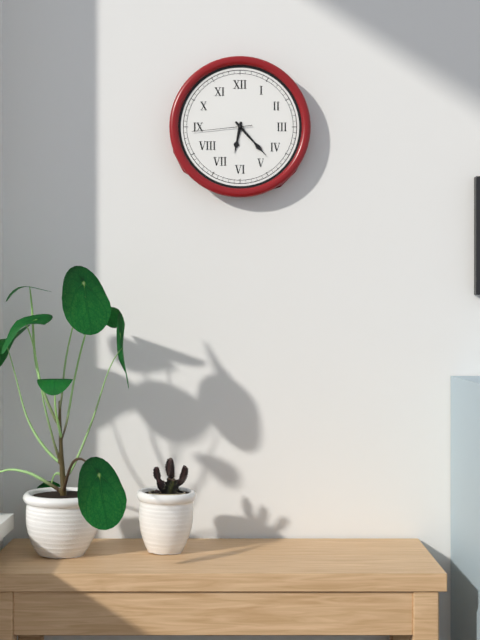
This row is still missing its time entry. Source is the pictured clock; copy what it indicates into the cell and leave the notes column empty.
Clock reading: 6:23:44
